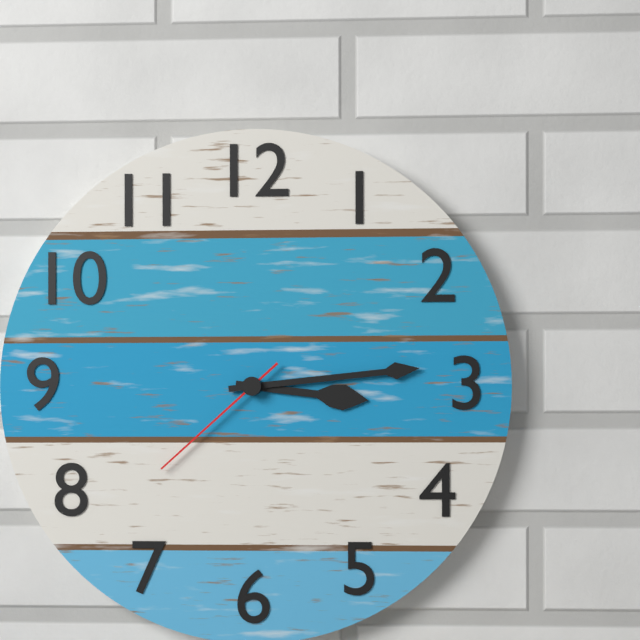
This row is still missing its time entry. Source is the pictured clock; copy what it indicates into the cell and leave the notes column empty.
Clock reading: 3:14:38
